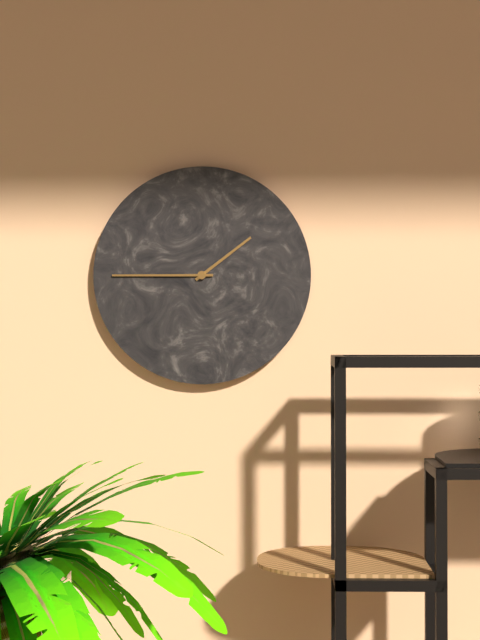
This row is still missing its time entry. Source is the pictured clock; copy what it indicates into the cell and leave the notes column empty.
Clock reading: 1:45
